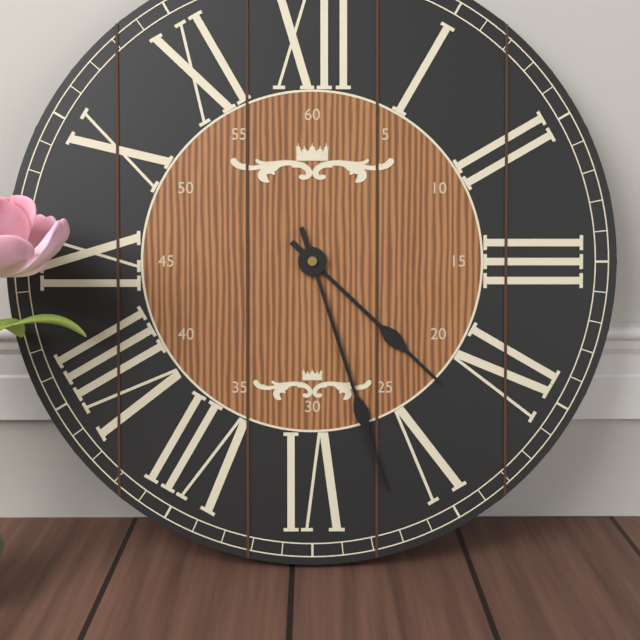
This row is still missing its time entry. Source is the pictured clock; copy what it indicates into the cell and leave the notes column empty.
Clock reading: 4:27
